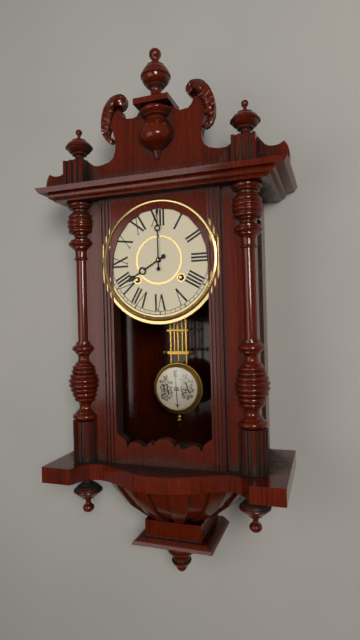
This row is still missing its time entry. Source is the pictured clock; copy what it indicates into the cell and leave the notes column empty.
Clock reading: 8:00
